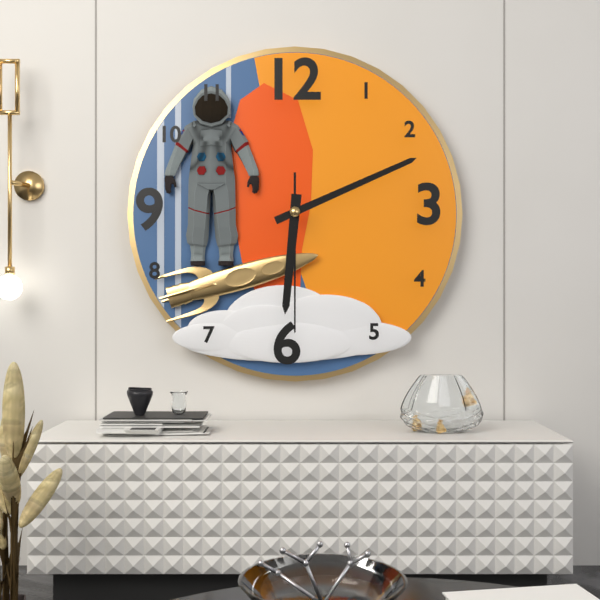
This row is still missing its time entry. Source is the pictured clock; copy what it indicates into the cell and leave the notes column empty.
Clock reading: 6:11:30
